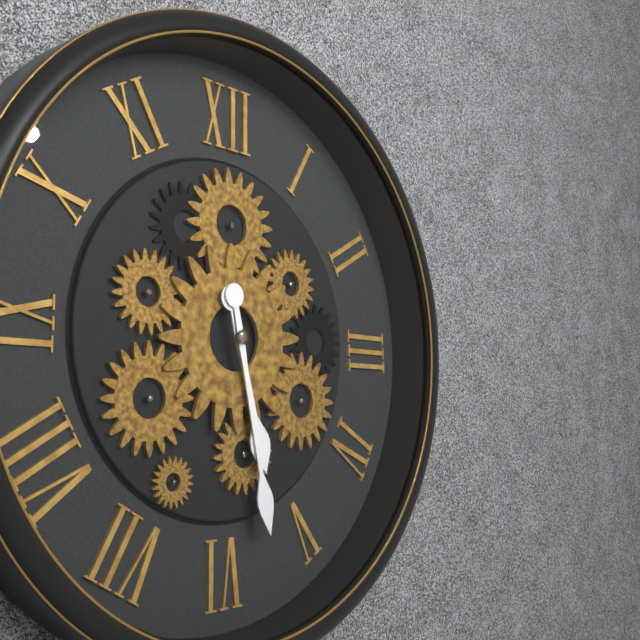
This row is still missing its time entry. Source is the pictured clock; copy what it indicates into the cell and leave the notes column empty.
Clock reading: 5:28
